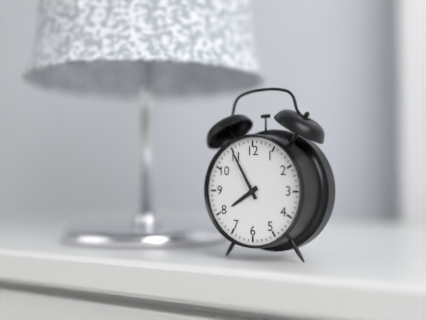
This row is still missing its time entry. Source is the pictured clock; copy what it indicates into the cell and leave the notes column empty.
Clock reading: 7:55
